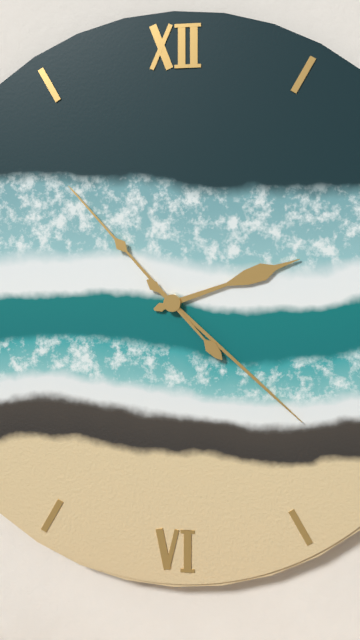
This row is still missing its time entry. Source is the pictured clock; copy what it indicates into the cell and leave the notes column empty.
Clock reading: 2:22:53
